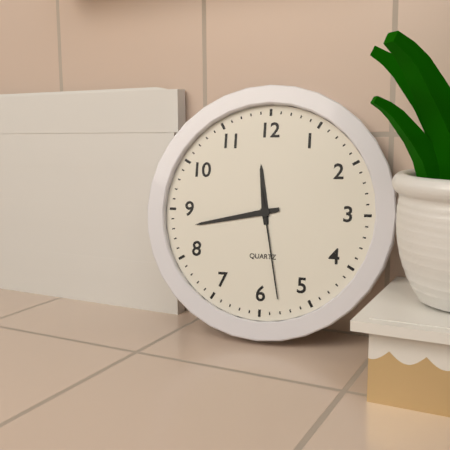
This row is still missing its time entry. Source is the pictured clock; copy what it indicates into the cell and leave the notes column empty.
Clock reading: 11:43:28
